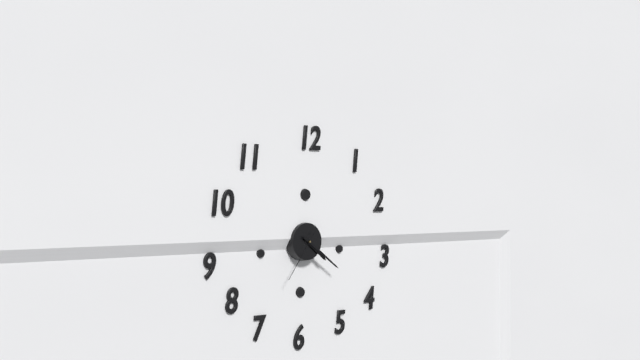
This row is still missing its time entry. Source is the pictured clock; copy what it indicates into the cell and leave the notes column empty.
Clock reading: 4:21:36
